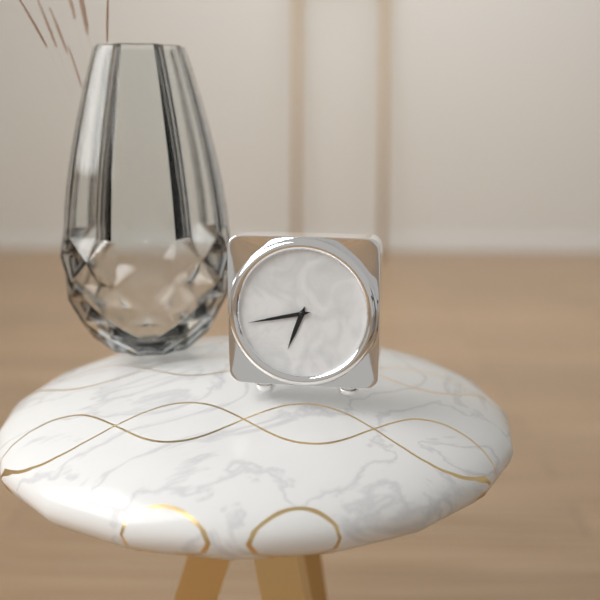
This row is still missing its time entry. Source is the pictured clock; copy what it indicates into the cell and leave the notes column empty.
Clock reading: 6:43
